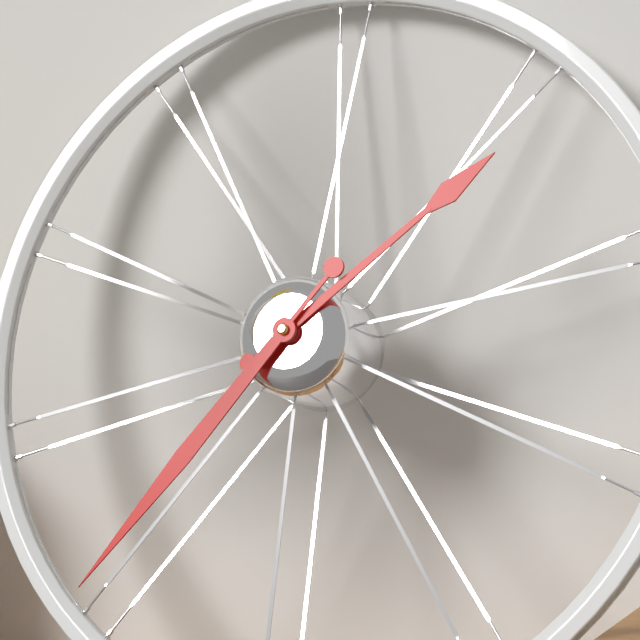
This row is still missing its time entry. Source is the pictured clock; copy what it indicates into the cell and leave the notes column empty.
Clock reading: 1:36
